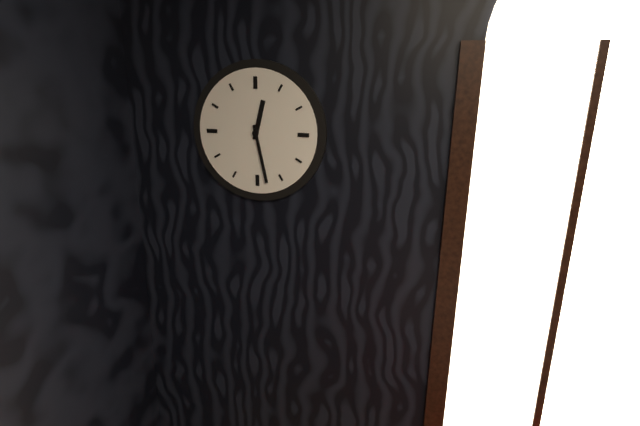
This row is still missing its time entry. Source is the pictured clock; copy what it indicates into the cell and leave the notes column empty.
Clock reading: 12:28
